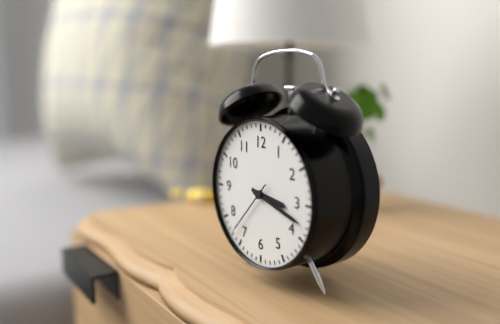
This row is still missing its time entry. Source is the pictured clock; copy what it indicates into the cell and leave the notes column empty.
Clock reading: 3:18:37
